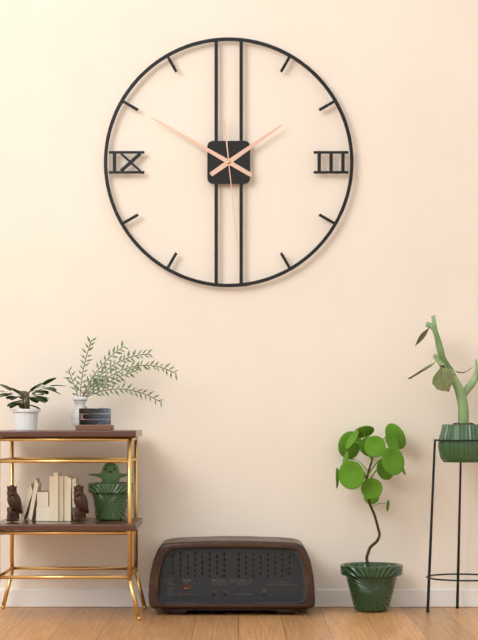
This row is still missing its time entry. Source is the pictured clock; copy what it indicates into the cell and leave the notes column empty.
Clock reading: 1:50:29
